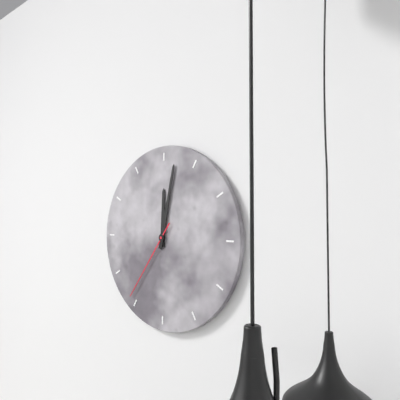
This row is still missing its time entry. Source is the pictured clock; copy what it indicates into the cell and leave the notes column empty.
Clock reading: 12:02:36
